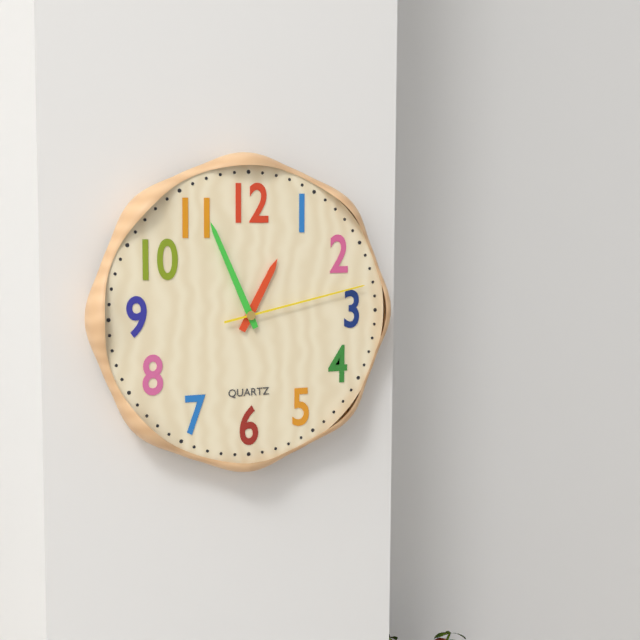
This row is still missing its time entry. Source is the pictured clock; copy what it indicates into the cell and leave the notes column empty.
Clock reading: 12:56:13
